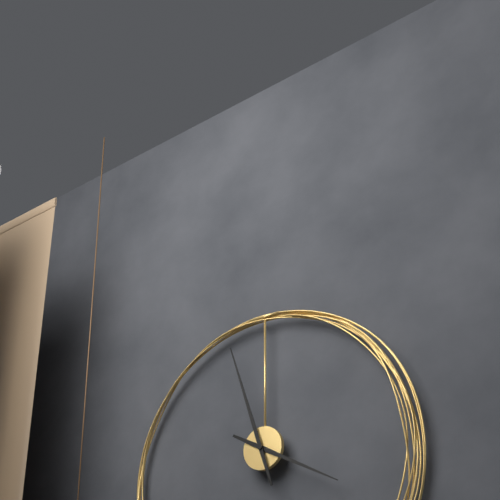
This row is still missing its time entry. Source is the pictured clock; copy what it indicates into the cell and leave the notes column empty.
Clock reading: 3:57
